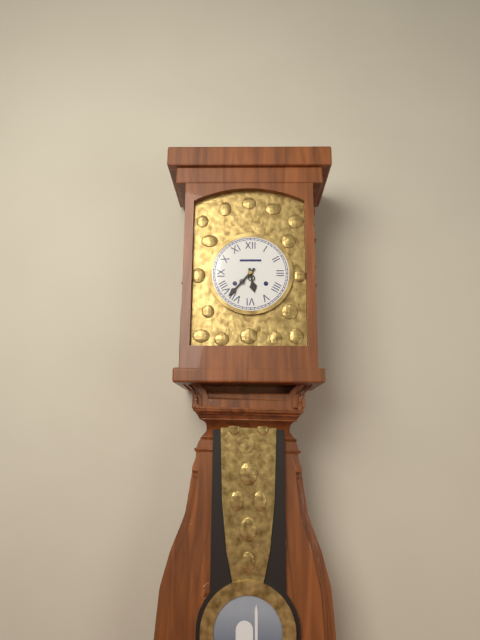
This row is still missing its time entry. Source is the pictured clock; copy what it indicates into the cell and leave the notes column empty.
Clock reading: 5:37
